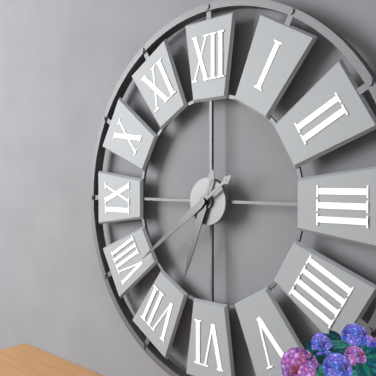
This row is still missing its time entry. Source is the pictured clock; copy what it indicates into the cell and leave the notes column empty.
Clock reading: 6:39
